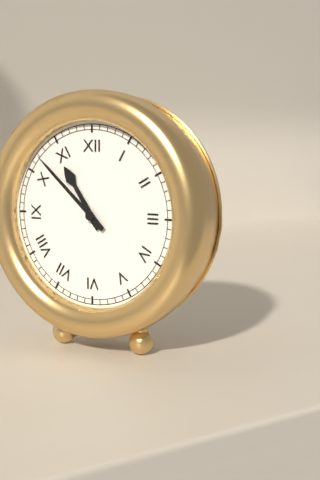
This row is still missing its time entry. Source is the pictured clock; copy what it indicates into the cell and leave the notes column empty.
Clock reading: 10:52
